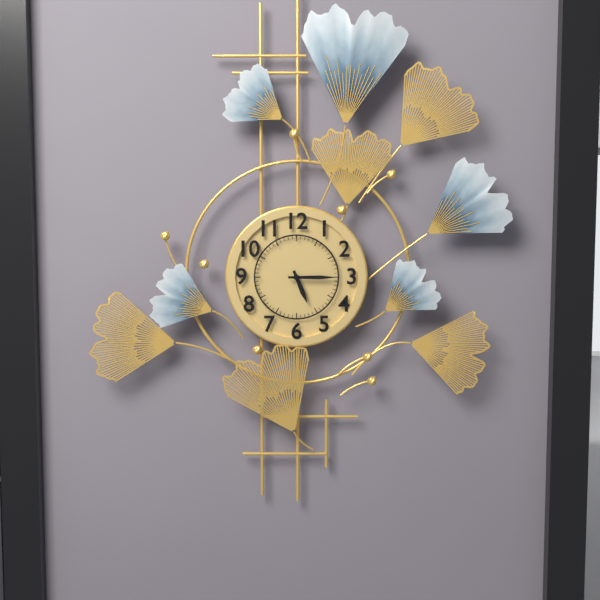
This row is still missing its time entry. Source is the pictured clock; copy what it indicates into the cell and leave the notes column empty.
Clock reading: 5:15
